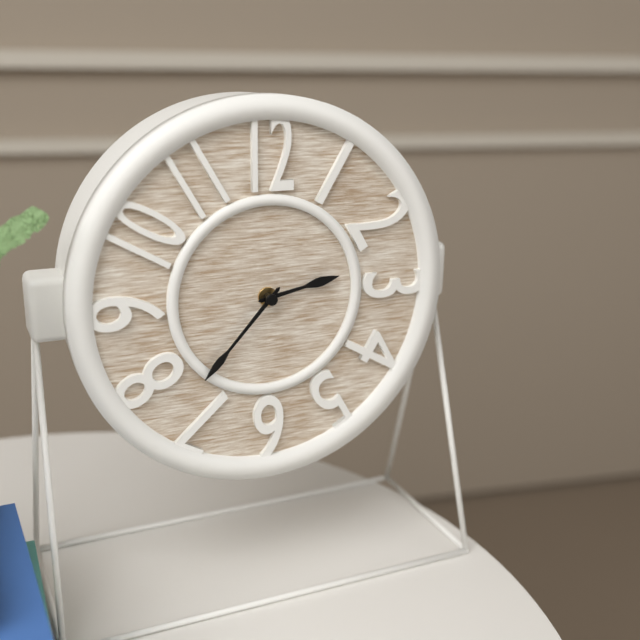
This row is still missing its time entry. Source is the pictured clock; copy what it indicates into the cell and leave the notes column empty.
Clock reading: 2:37
